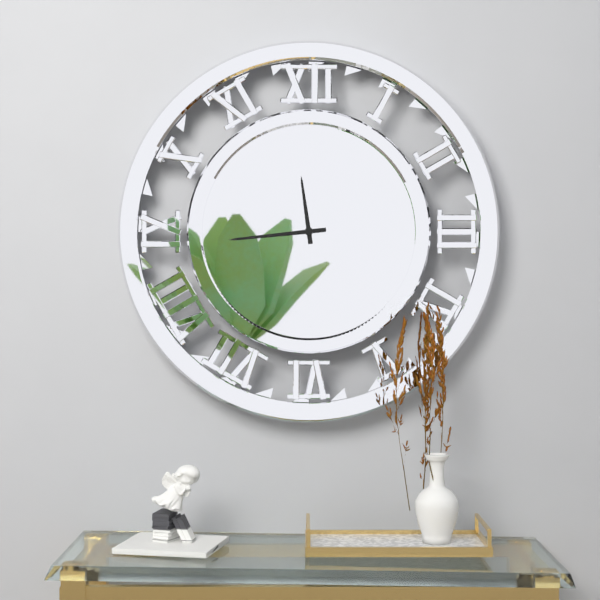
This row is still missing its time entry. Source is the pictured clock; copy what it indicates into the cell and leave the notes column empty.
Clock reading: 11:44
